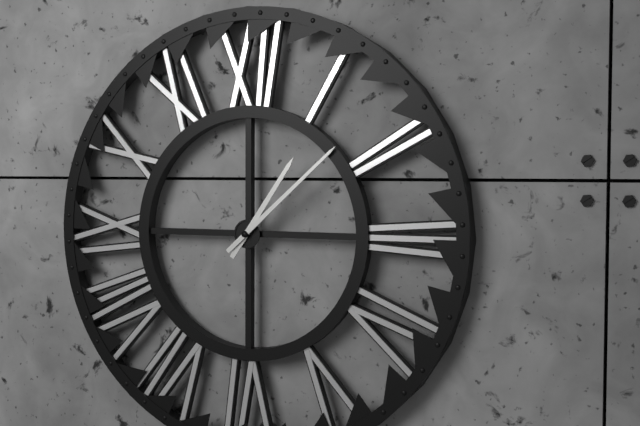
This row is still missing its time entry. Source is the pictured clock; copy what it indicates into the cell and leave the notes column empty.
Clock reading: 1:08
